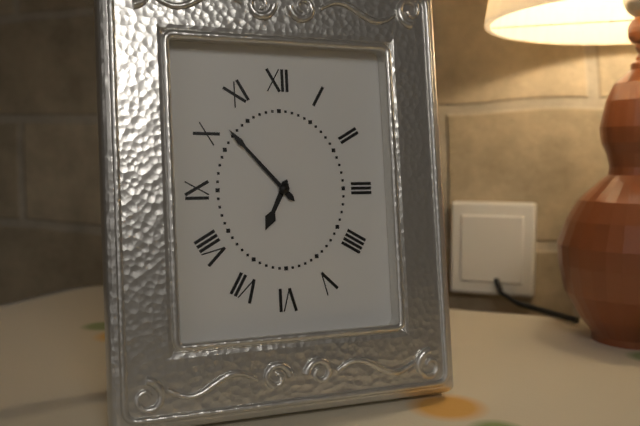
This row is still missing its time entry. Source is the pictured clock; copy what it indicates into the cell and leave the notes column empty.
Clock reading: 6:53
